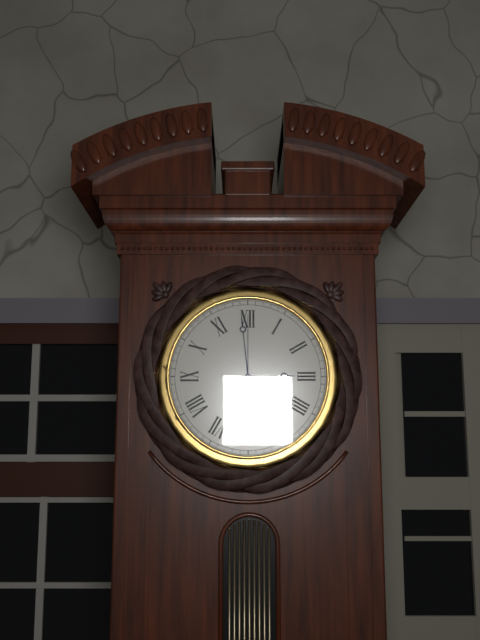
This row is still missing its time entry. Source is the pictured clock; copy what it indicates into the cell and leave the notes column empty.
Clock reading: 2:59:00
